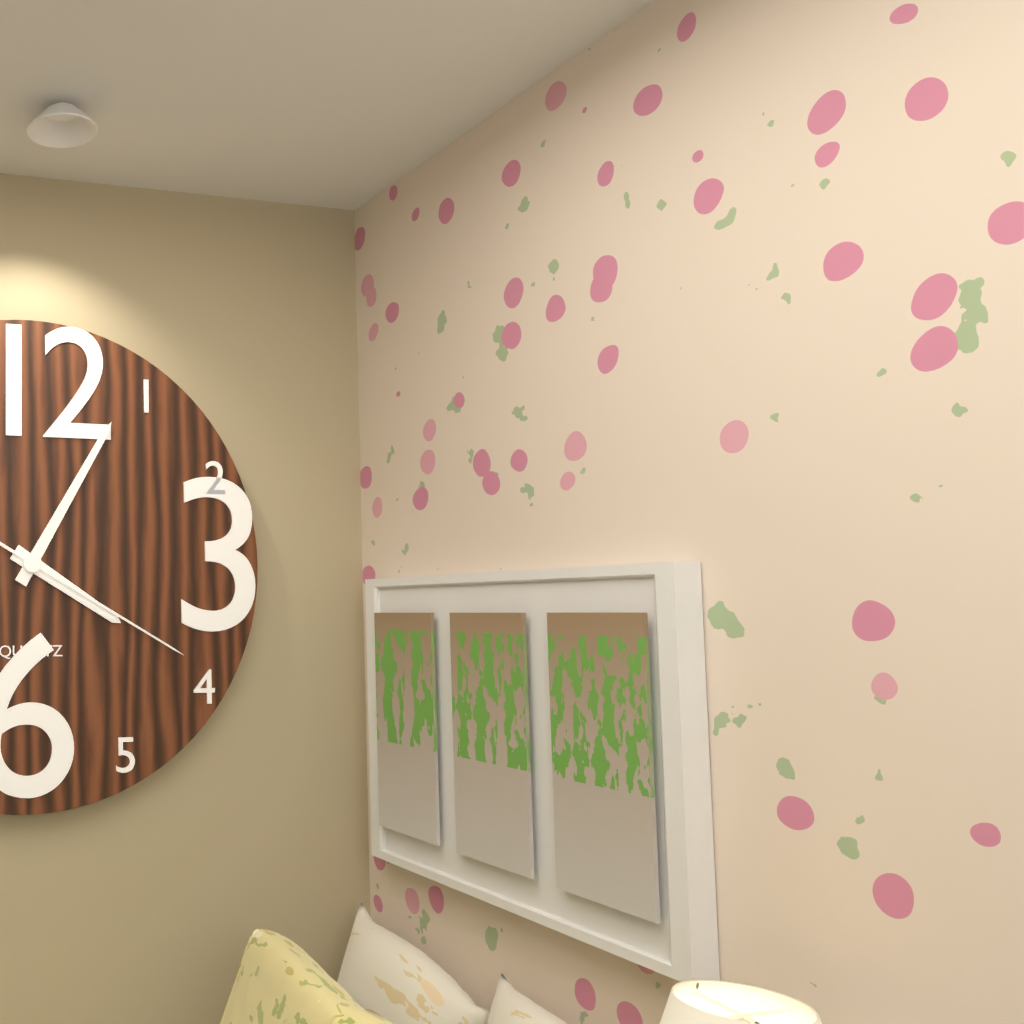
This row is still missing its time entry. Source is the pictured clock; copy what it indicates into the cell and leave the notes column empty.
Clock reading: 4:05:20
